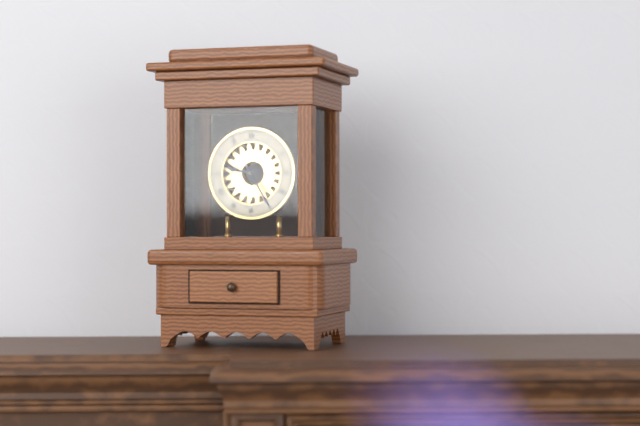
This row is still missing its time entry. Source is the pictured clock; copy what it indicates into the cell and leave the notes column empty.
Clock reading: 9:25
